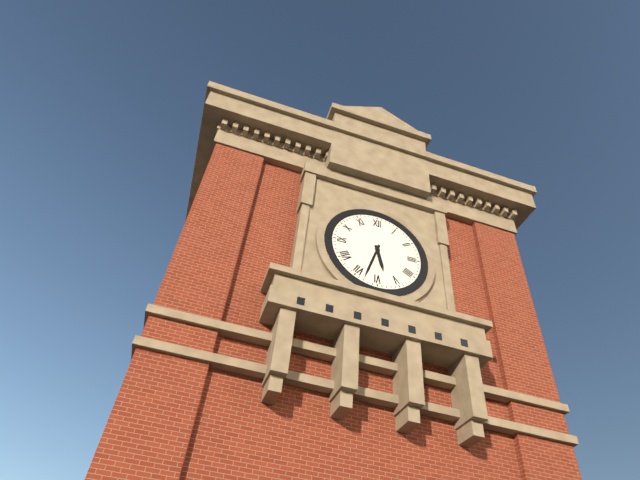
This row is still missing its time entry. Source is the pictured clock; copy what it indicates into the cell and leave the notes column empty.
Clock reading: 5:33
